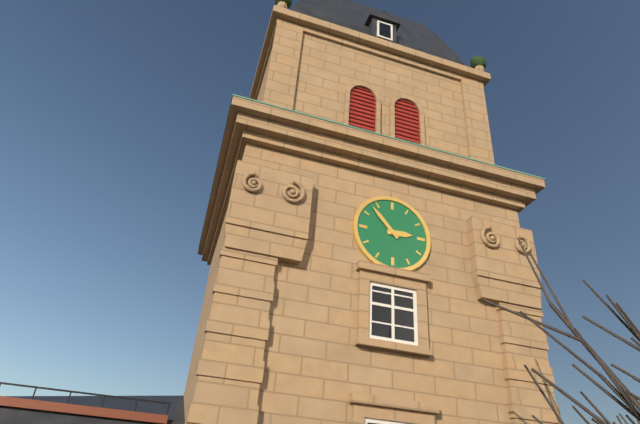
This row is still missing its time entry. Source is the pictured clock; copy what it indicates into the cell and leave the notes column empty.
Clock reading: 2:53
